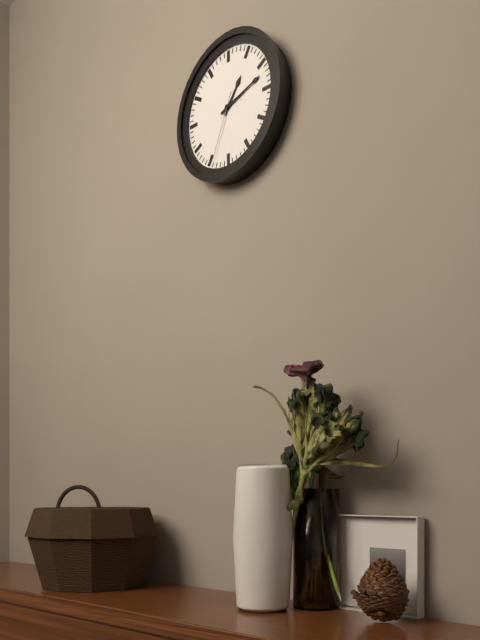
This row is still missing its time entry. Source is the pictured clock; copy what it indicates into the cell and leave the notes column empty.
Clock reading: 1:12:34
